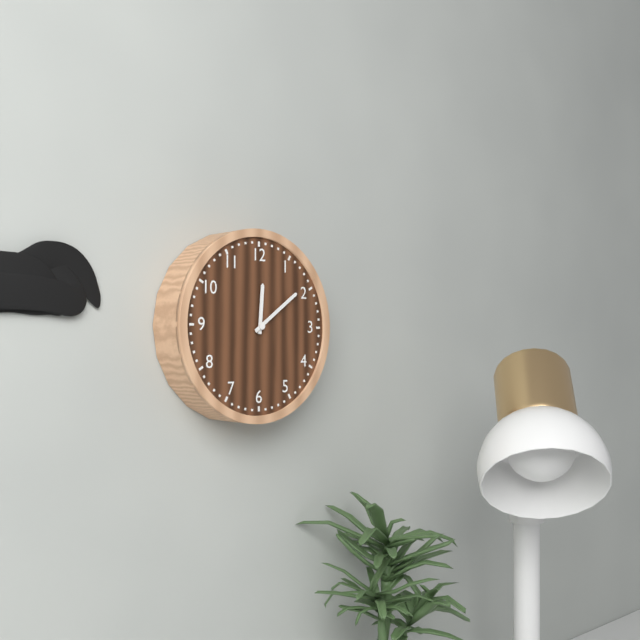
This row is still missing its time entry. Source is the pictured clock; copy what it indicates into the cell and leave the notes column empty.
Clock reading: 12:09
